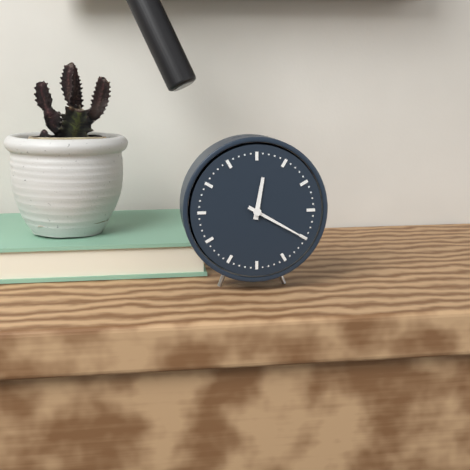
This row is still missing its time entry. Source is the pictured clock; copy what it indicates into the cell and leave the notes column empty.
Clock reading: 12:20
